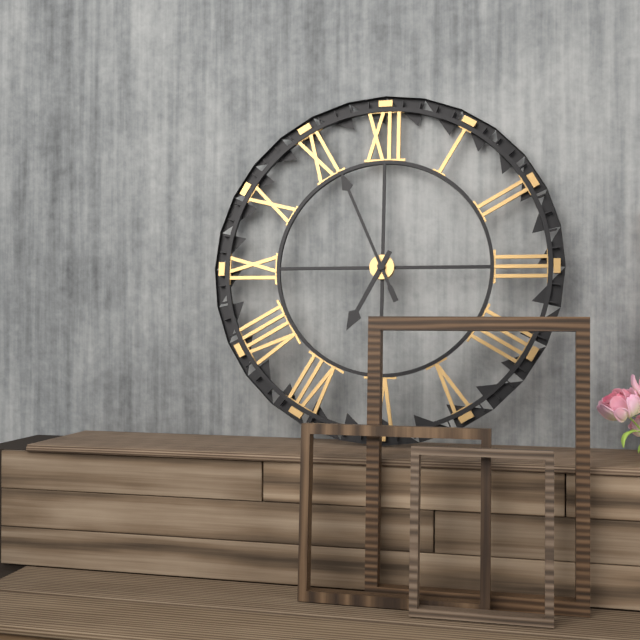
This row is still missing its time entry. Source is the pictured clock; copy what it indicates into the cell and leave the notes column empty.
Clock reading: 6:56
